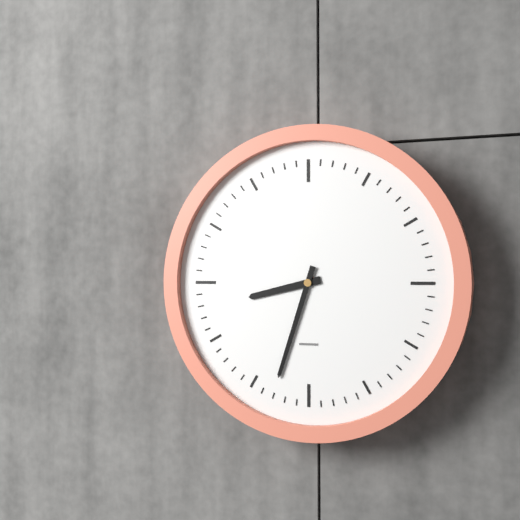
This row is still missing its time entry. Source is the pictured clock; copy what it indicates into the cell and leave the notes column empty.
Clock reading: 8:33
